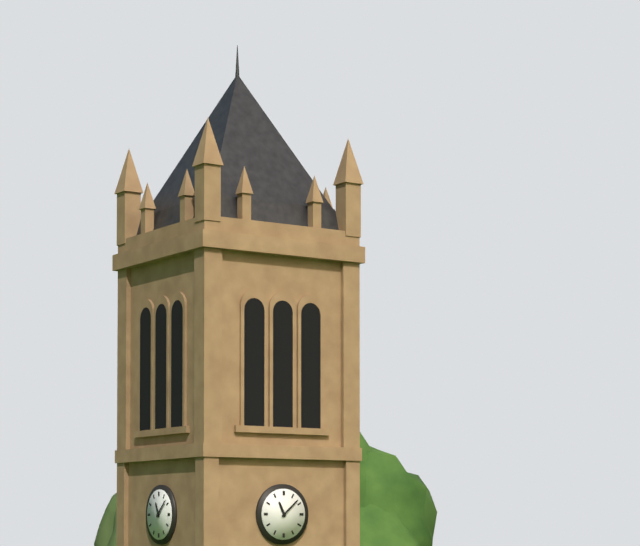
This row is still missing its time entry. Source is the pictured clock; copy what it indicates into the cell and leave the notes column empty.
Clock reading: 11:08
